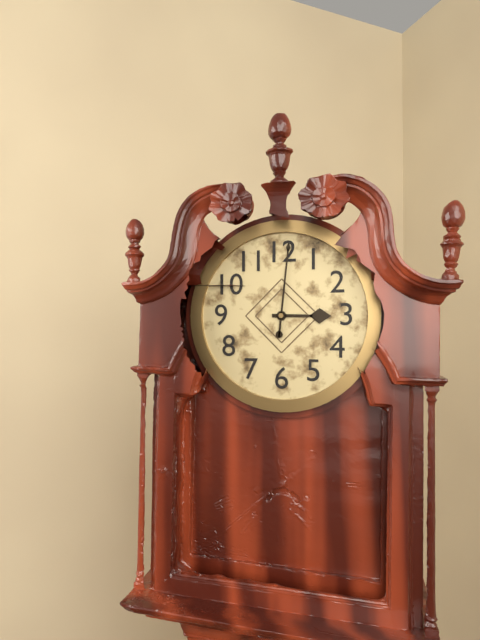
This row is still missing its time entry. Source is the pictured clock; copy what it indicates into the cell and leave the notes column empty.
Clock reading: 3:01
